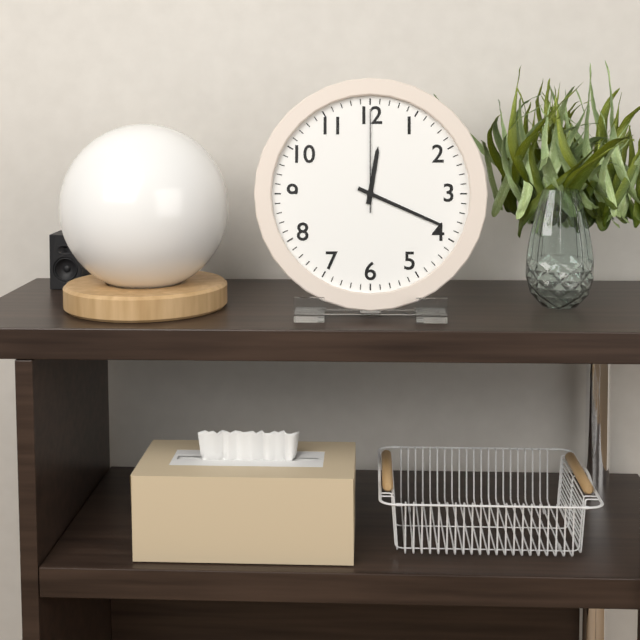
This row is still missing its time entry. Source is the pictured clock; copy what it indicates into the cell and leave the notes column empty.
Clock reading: 12:19:00
